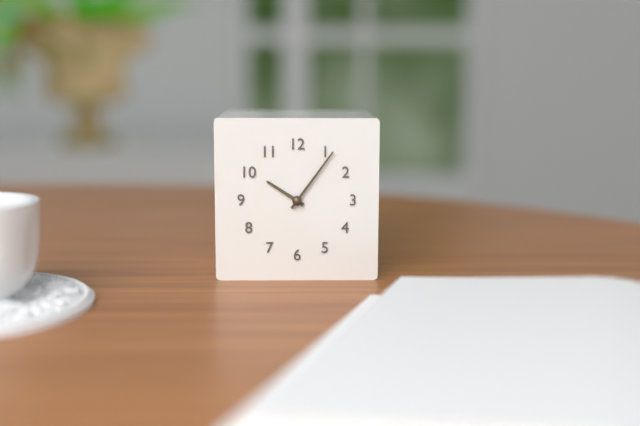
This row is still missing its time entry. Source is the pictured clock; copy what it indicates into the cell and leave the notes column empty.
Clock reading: 10:06
